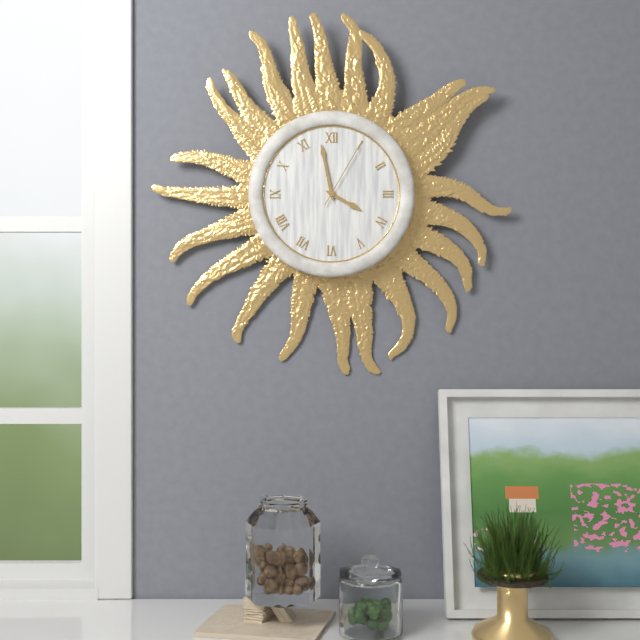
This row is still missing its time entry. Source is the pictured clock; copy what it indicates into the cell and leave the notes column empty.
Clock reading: 3:58:05
